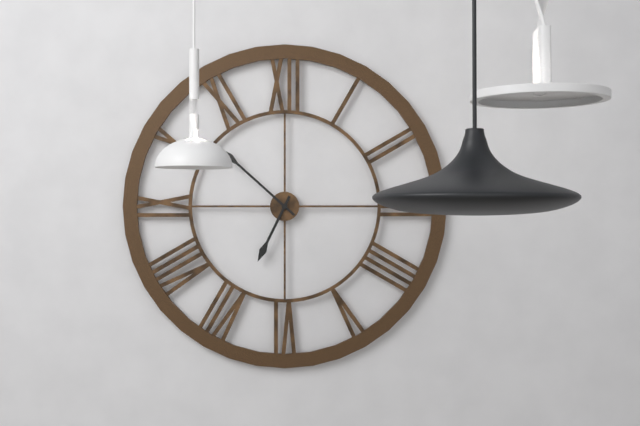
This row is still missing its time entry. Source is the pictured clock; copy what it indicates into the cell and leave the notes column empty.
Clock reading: 6:52
